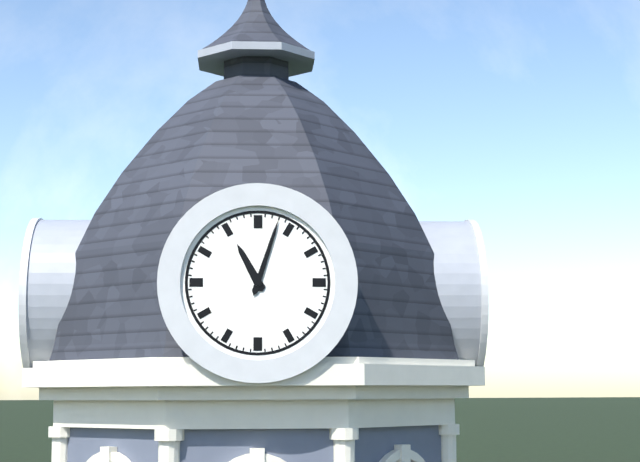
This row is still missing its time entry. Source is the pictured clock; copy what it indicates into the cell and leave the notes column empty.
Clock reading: 11:03
